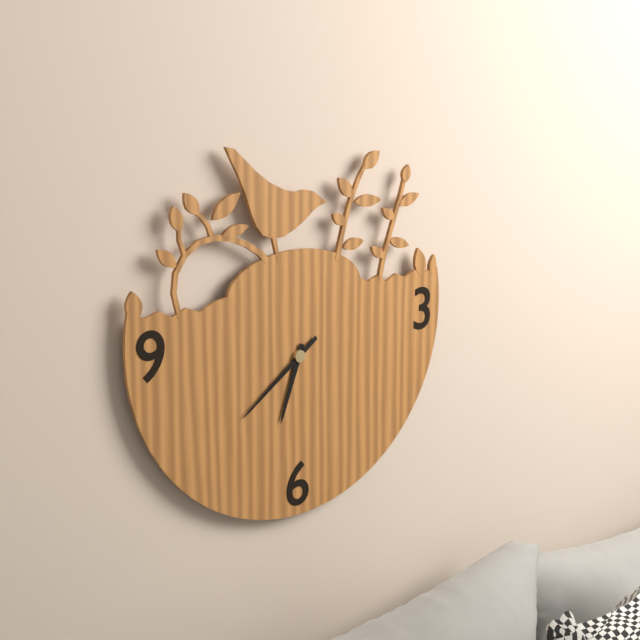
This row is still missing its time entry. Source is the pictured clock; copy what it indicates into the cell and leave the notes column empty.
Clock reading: 6:39
